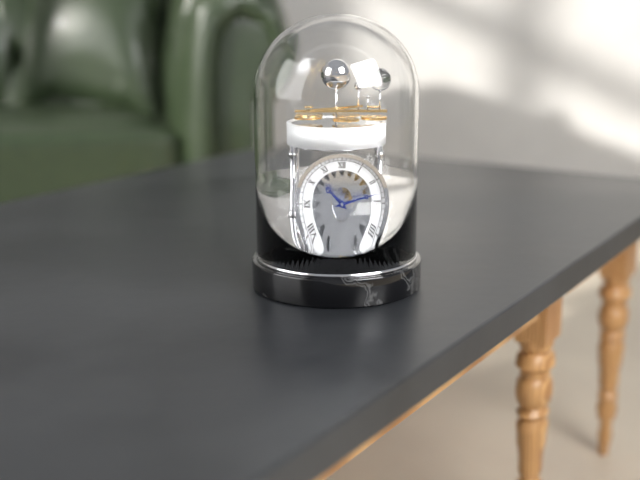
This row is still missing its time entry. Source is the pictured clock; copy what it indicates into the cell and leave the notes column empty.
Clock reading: 10:13
